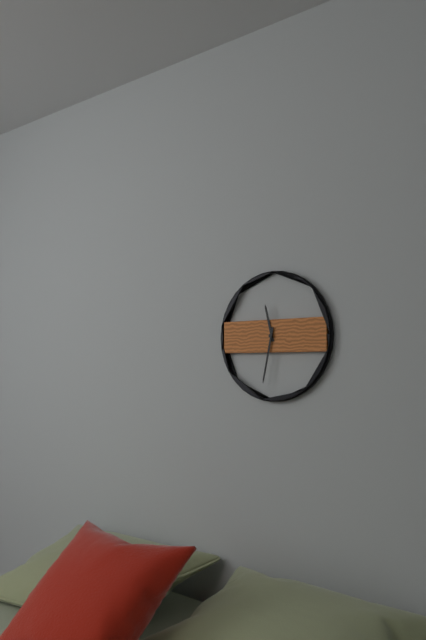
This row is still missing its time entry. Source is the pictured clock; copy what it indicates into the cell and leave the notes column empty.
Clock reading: 11:32
